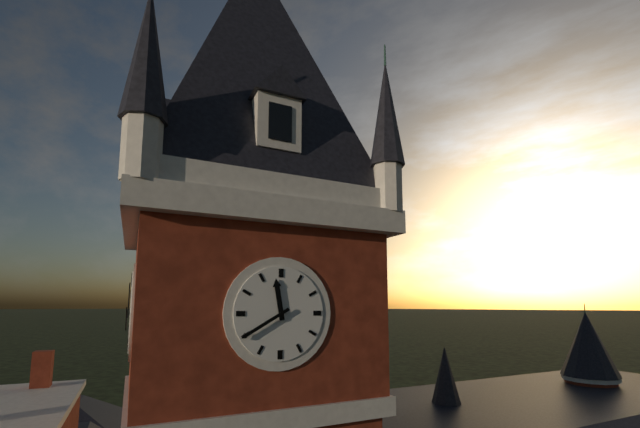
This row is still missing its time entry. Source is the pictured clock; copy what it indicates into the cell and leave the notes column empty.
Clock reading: 11:40
